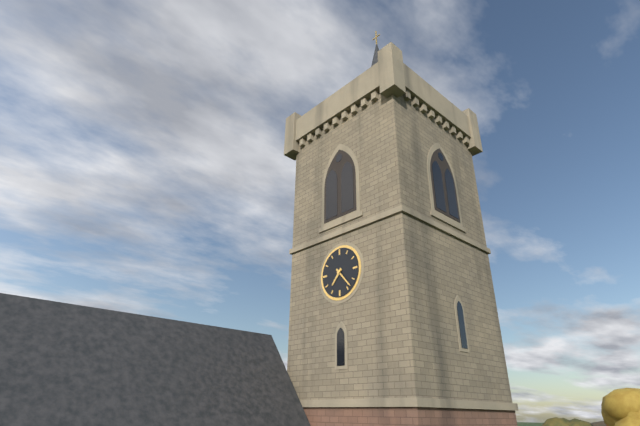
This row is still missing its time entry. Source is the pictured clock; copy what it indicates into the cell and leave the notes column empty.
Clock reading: 7:23
